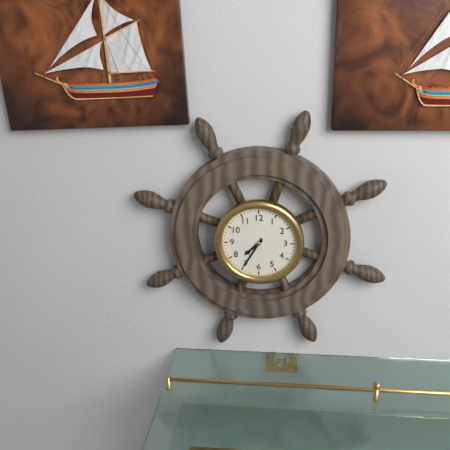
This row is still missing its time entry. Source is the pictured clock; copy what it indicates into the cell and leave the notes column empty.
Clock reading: 7:35
